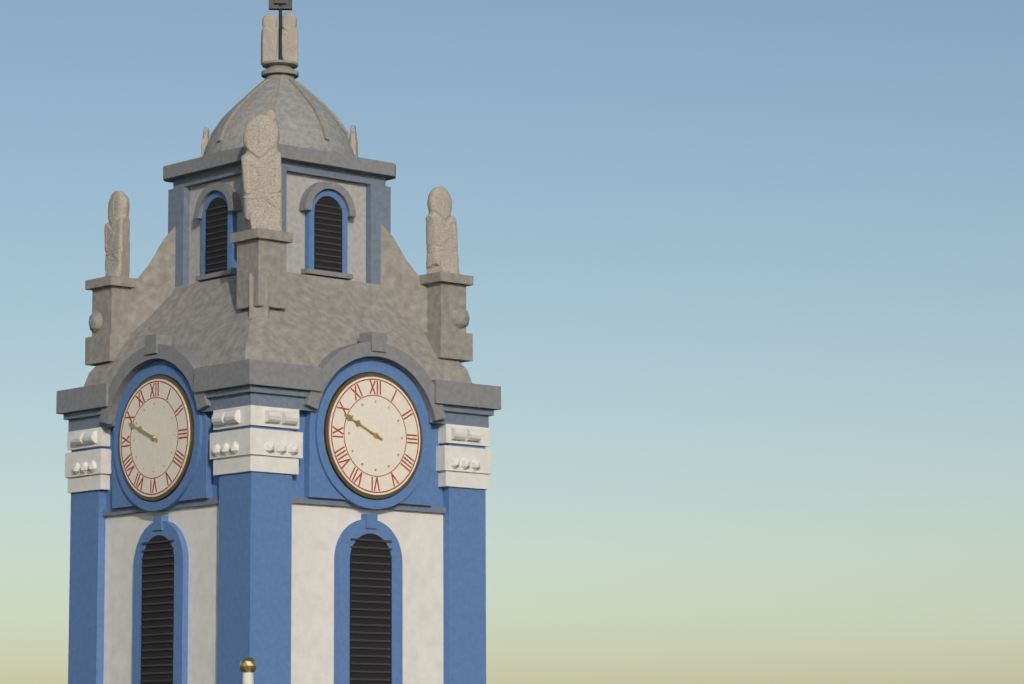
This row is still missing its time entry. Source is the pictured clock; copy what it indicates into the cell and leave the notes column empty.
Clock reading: 9:49
